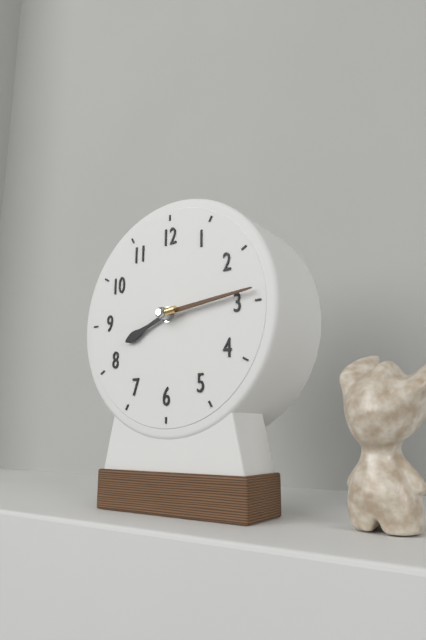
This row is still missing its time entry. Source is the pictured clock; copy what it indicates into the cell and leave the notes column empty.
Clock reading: 8:14
